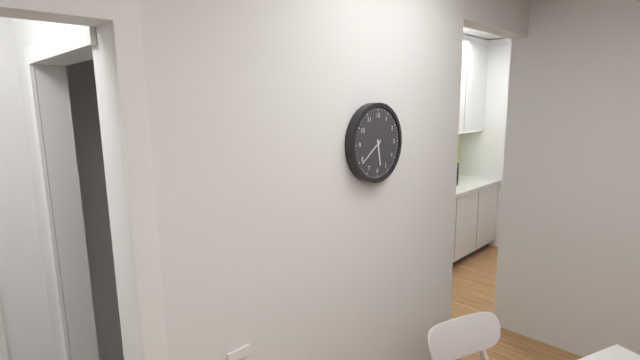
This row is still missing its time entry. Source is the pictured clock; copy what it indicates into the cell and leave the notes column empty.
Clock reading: 5:39
